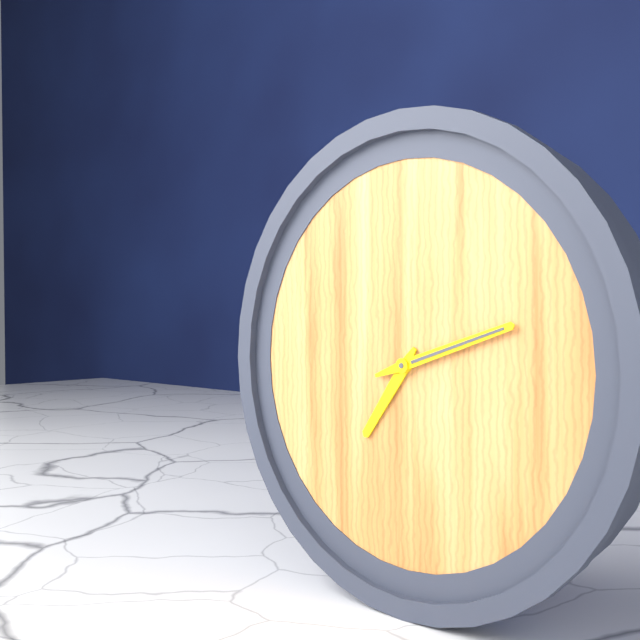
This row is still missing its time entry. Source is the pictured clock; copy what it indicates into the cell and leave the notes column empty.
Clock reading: 7:12
